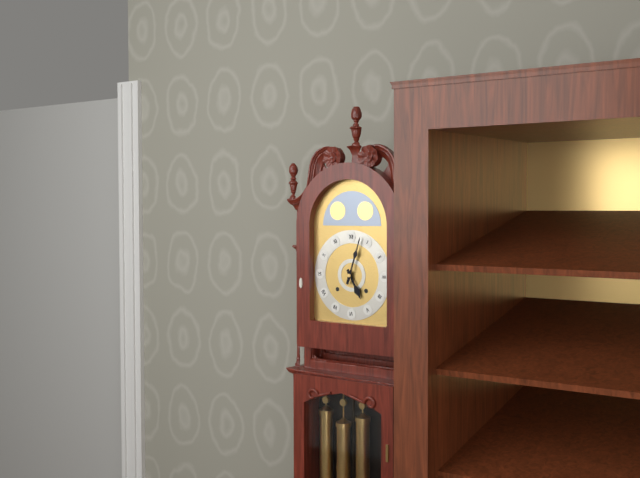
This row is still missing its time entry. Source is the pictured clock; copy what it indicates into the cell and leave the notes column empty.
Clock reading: 5:03
